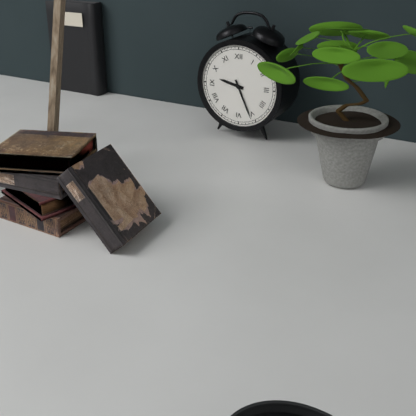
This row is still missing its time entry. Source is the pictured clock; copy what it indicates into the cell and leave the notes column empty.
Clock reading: 9:26
